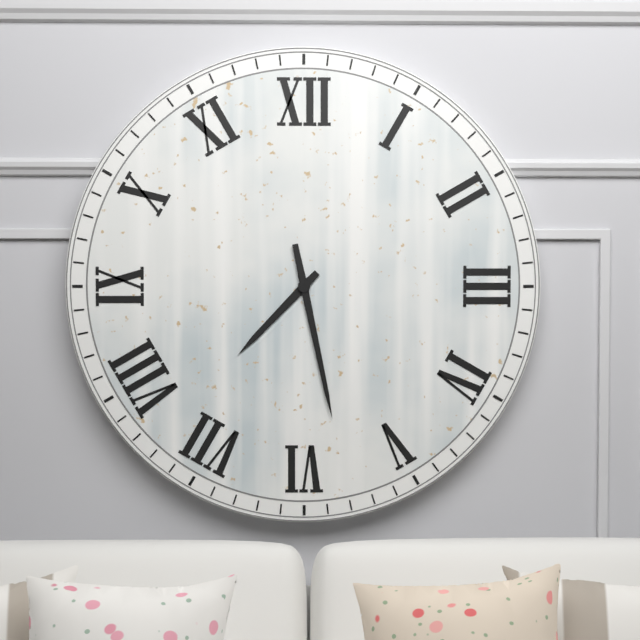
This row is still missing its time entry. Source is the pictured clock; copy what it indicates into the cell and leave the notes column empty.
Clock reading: 7:28
